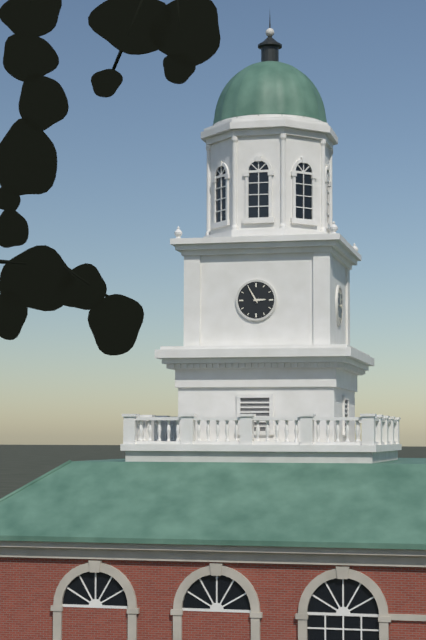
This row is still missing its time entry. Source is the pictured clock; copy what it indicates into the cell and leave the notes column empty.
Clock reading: 2:55
